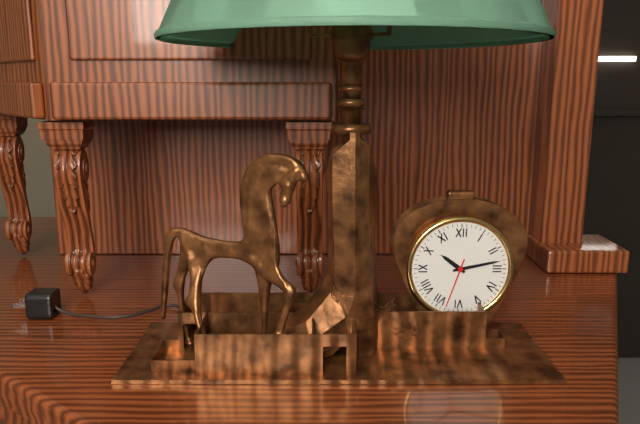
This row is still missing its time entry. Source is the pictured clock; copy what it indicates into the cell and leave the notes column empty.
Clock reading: 10:13:33
